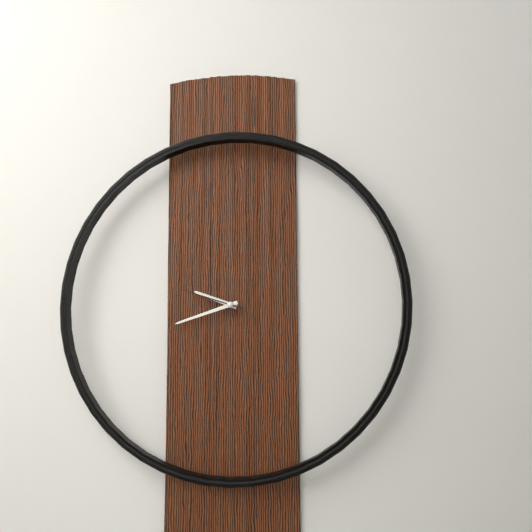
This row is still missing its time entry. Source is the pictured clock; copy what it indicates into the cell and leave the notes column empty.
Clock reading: 9:42:48
